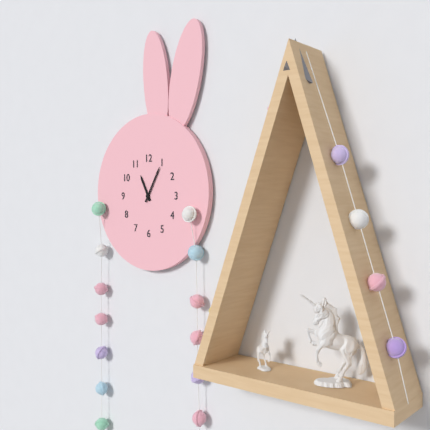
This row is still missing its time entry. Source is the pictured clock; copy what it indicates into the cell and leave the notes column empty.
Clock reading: 11:05
